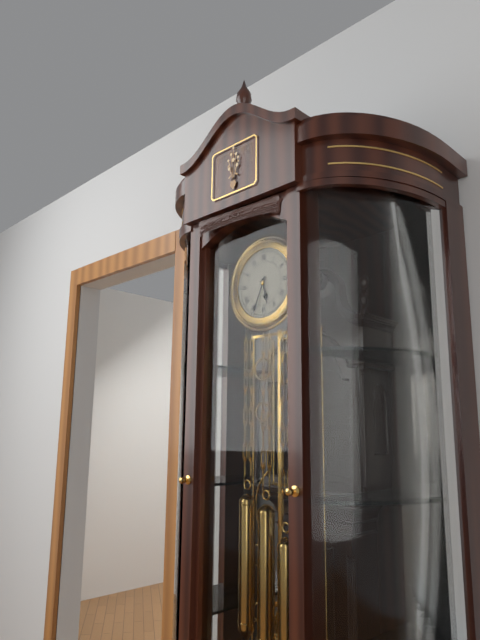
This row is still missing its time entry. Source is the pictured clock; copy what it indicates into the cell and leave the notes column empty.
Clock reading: 5:34
